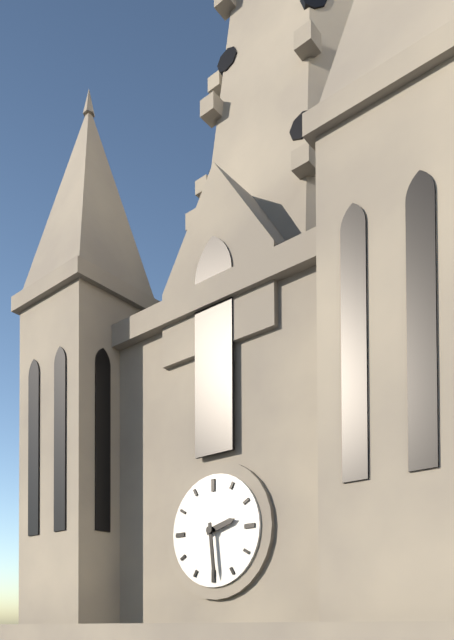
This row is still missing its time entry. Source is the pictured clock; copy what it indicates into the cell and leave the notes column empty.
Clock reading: 2:29
